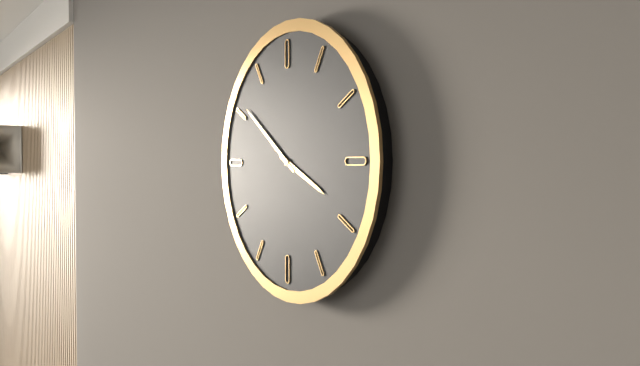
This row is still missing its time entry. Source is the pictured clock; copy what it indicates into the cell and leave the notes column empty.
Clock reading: 3:51
